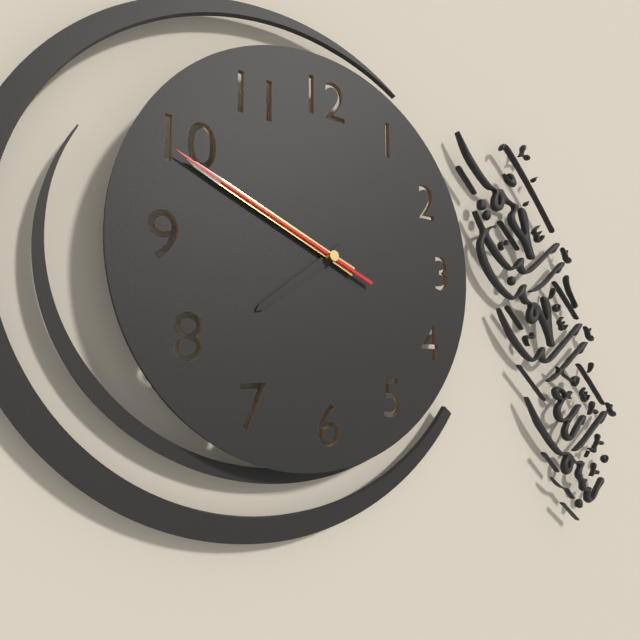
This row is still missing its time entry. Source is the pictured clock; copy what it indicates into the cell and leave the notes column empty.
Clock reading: 7:49:49
